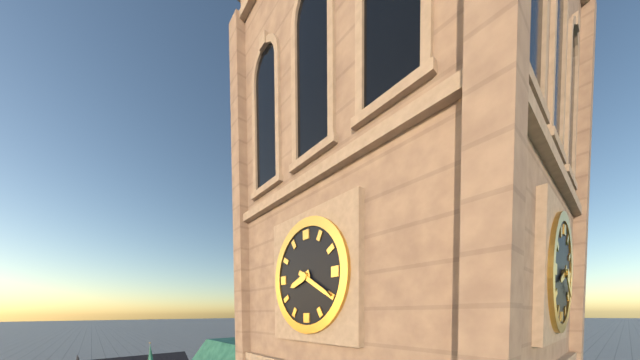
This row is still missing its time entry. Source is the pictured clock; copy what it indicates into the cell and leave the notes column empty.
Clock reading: 8:20
